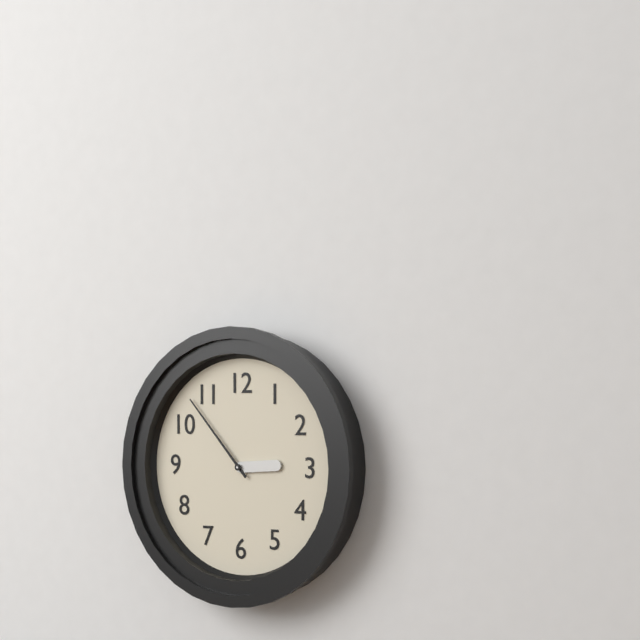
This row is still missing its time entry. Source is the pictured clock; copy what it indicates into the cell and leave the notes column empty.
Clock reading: 2:53
